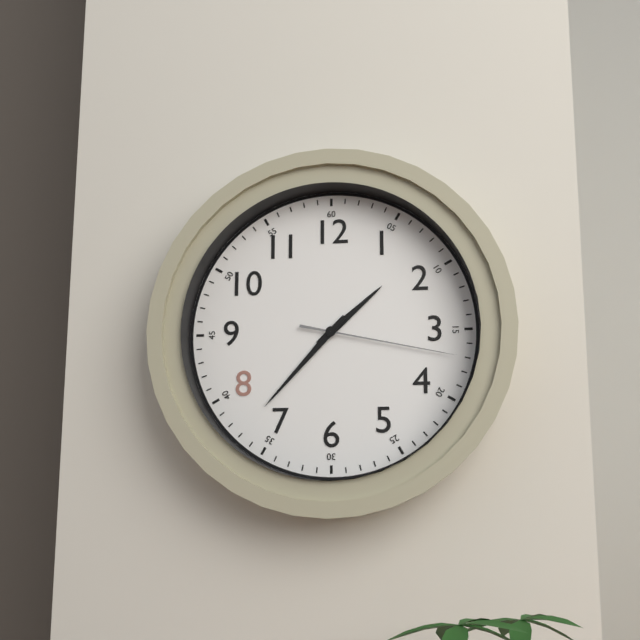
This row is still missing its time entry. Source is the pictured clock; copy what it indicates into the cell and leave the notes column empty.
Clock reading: 1:37:17
